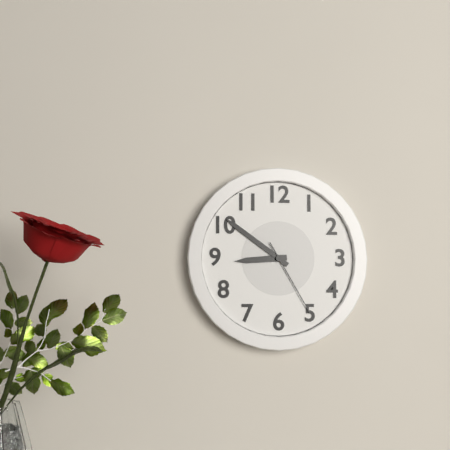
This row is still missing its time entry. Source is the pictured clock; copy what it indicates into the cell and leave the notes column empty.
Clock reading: 8:51:25
